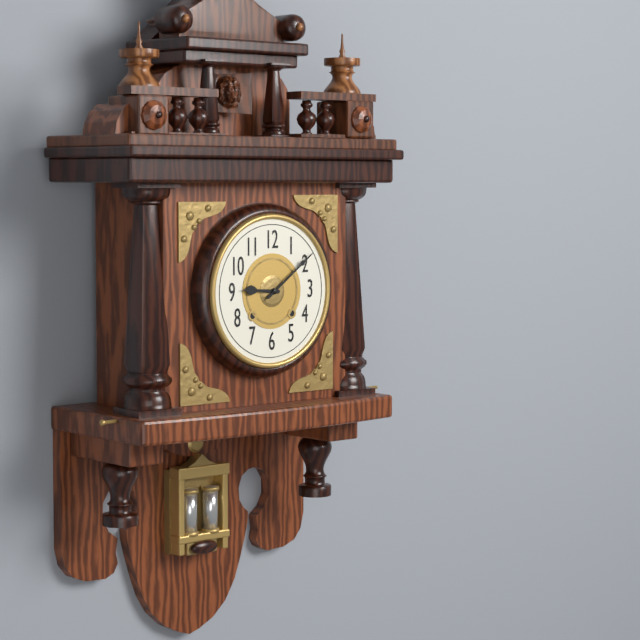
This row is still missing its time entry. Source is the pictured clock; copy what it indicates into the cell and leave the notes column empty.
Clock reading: 9:09
